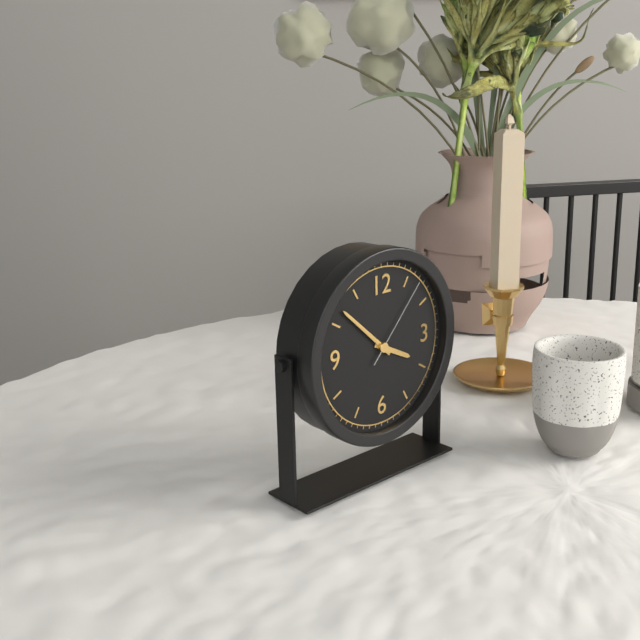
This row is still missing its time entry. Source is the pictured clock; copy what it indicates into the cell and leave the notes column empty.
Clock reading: 3:52:07
